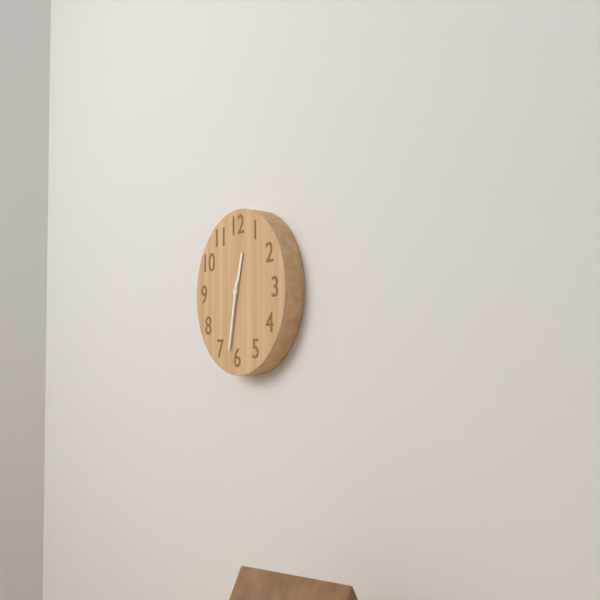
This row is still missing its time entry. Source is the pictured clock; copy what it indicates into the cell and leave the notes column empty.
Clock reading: 12:32
